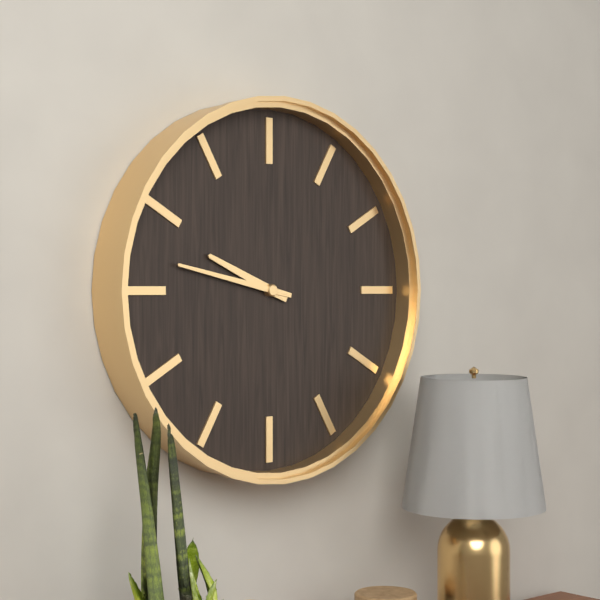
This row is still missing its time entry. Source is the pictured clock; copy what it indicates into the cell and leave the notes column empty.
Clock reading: 9:47
